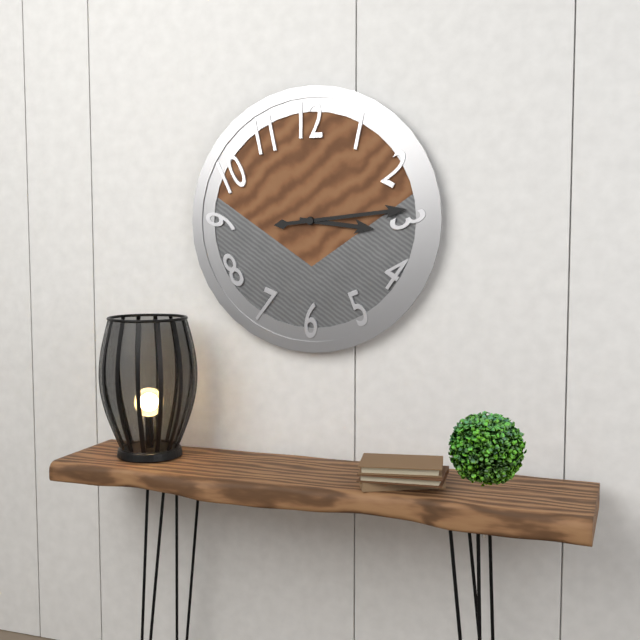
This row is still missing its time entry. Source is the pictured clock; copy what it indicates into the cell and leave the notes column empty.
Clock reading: 3:14
